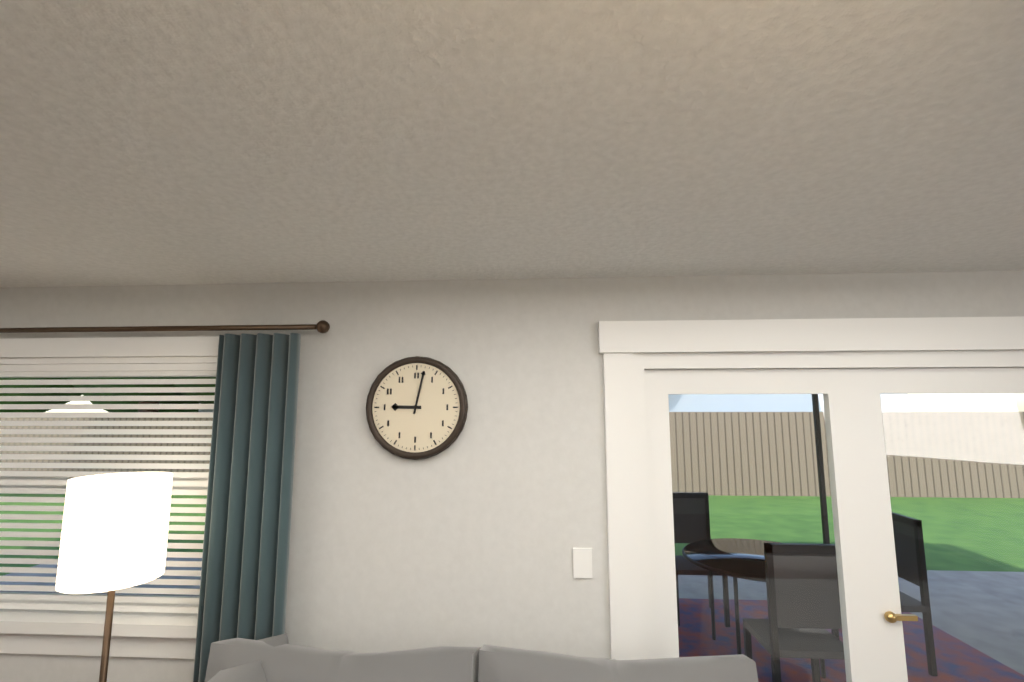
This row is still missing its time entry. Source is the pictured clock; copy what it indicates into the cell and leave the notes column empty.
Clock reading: 9:02
